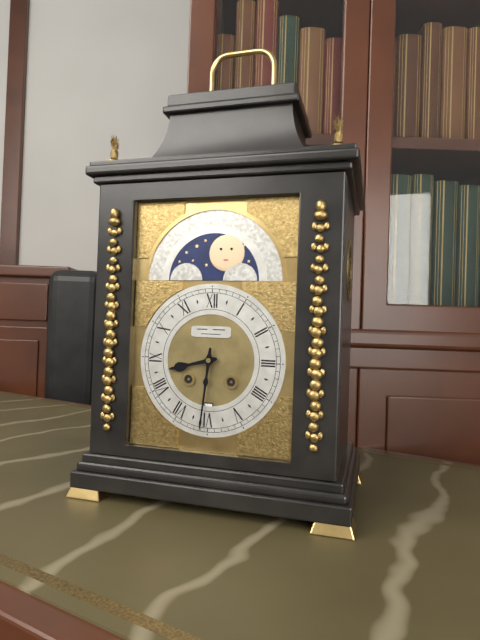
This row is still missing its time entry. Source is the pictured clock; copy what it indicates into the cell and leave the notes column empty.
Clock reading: 8:31
